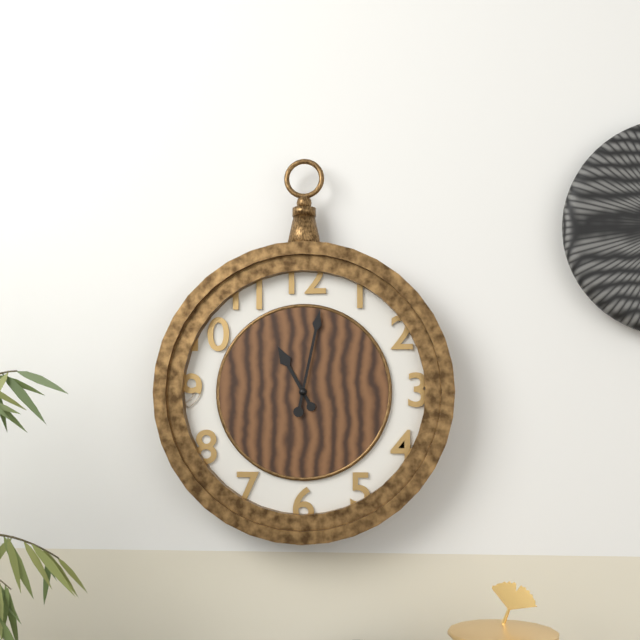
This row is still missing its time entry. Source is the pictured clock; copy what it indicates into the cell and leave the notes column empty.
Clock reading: 11:02
